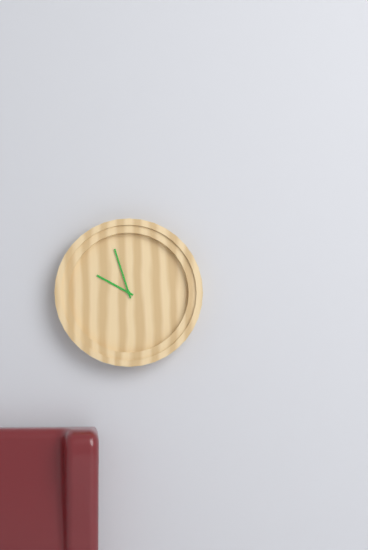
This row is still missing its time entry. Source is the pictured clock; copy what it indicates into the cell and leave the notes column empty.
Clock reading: 9:57
